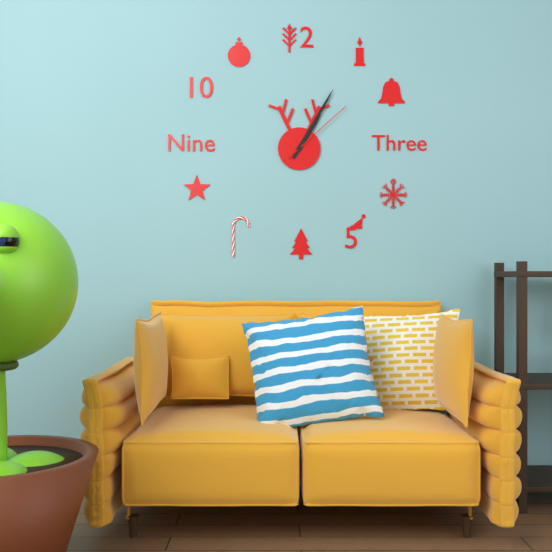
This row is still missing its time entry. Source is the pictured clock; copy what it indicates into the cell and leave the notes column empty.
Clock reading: 1:05:08
